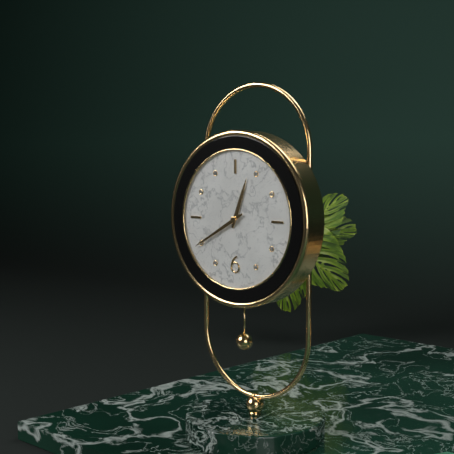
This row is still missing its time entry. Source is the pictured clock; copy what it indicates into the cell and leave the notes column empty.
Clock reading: 12:40
